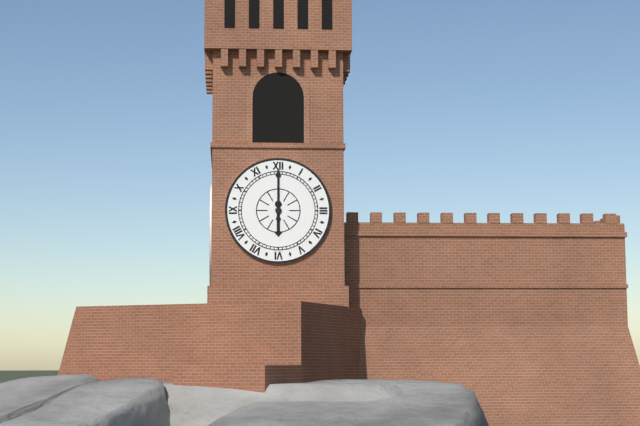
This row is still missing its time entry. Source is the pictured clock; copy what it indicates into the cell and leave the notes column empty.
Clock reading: 6:00
